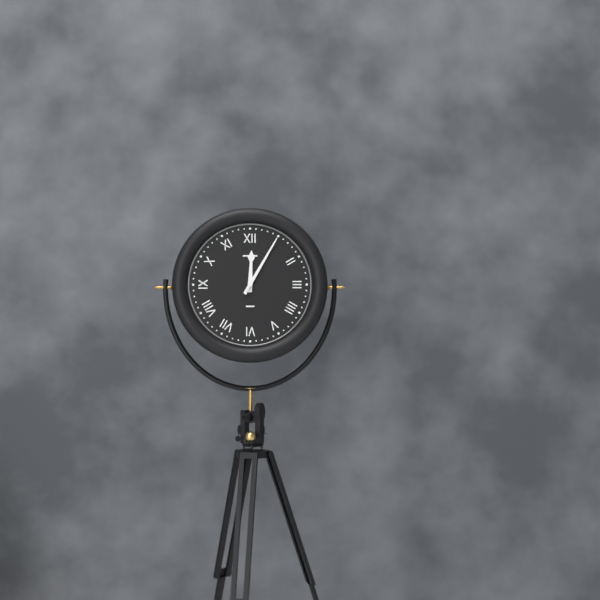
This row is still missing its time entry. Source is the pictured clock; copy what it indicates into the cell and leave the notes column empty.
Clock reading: 12:05
